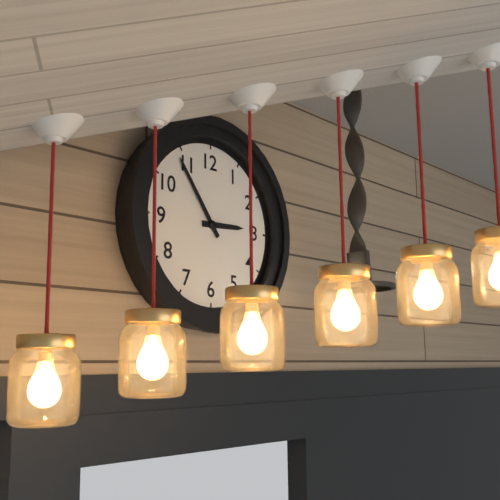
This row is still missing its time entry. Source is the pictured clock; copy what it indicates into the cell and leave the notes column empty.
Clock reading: 2:54
